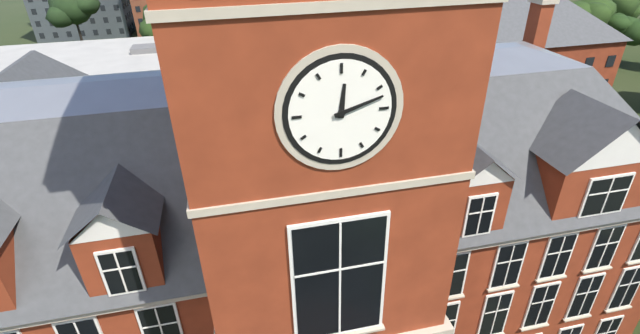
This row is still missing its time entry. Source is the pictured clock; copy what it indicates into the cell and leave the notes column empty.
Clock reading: 12:12
